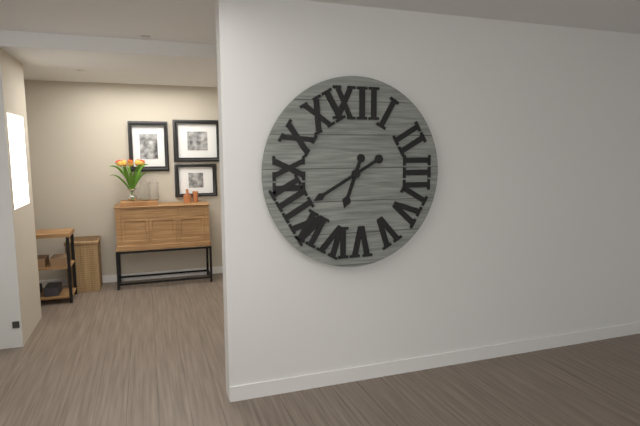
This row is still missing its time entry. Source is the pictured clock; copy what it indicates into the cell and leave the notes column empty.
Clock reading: 6:40
